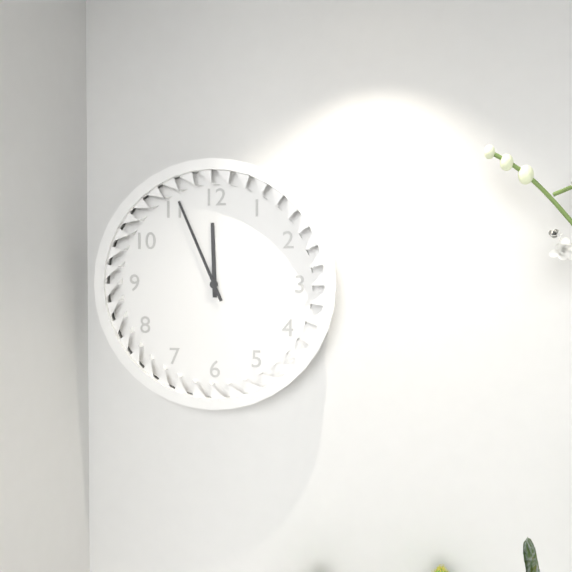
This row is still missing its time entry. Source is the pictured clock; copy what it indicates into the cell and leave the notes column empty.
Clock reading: 11:56
